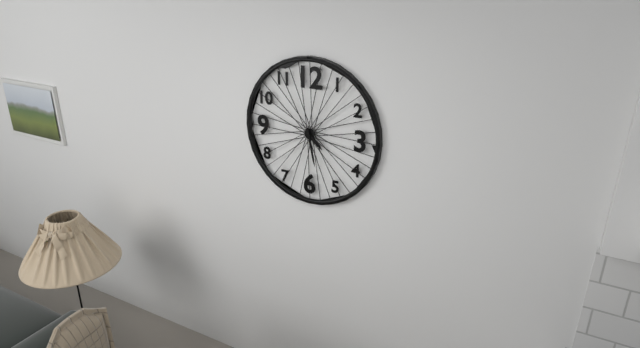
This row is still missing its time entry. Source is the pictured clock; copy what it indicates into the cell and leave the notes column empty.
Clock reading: 4:28
